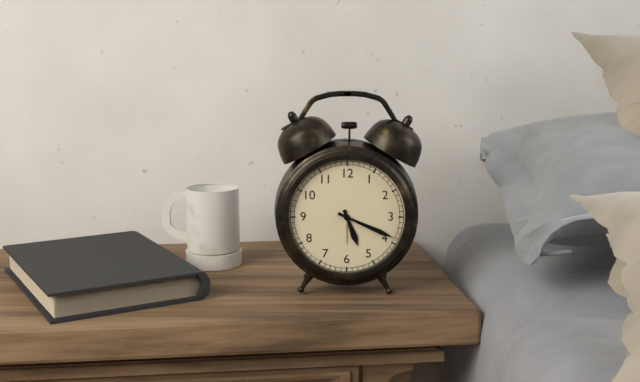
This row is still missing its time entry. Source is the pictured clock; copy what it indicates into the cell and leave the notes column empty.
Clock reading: 5:19
